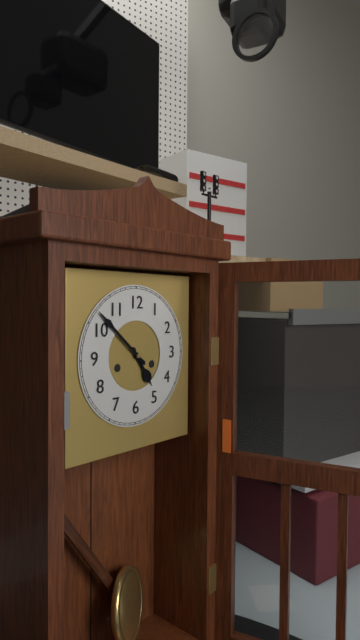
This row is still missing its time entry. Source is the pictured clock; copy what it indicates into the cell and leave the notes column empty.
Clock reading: 4:52
